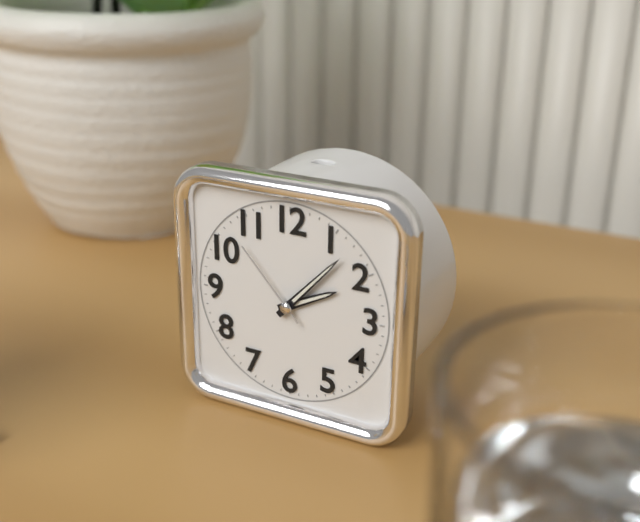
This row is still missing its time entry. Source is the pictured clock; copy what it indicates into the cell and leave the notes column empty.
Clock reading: 2:07:53
